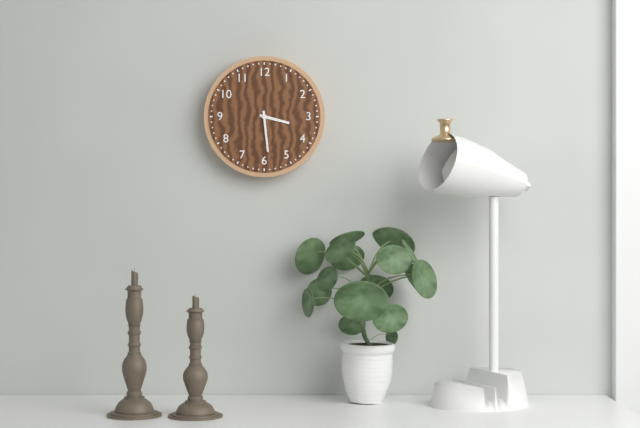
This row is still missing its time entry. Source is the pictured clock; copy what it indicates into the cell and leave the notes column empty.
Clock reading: 3:29
